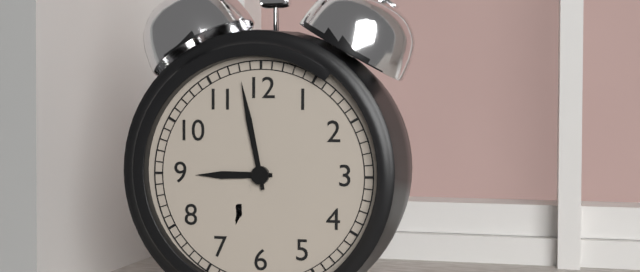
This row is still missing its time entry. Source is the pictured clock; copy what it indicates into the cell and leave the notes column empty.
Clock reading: 8:58
